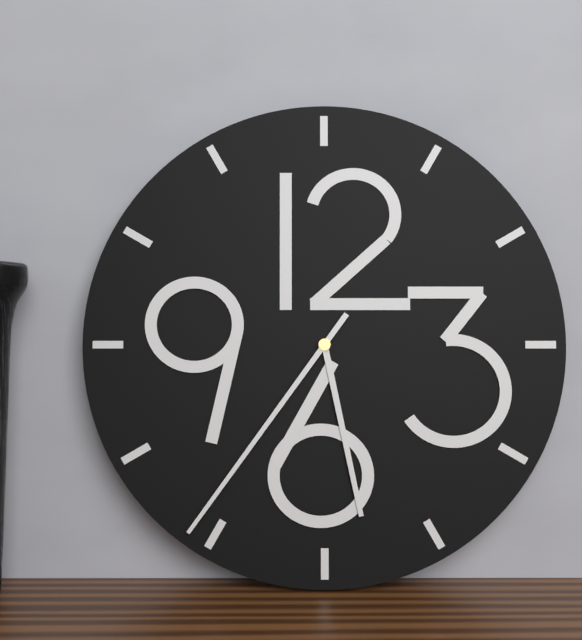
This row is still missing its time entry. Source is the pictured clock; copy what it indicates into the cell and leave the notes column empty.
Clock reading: 5:36
